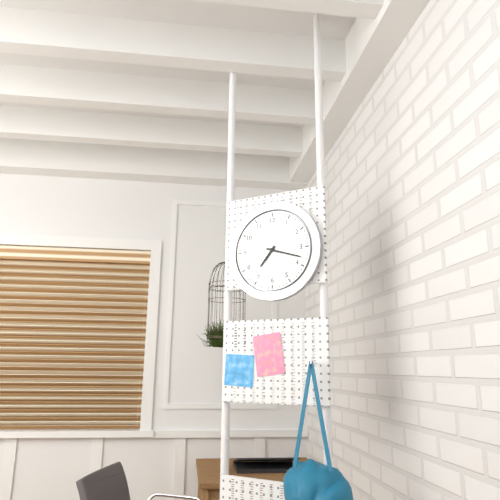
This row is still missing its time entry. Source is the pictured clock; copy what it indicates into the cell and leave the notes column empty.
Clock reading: 7:18
